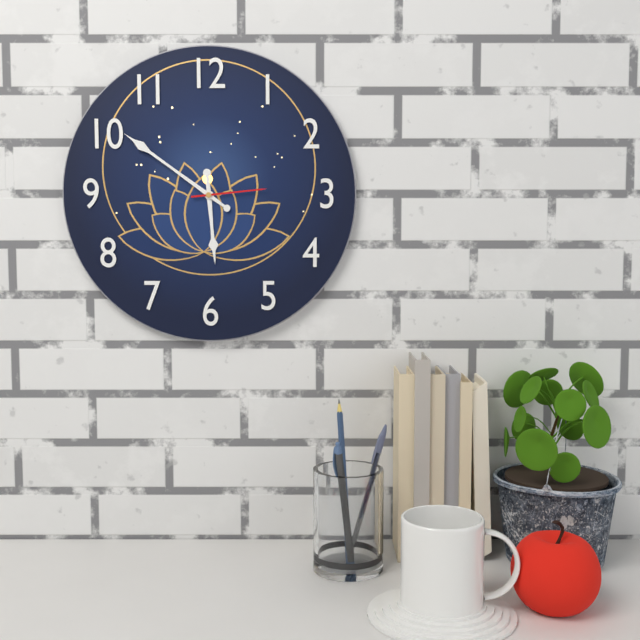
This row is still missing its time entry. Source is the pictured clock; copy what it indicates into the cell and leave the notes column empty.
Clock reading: 5:51:14
